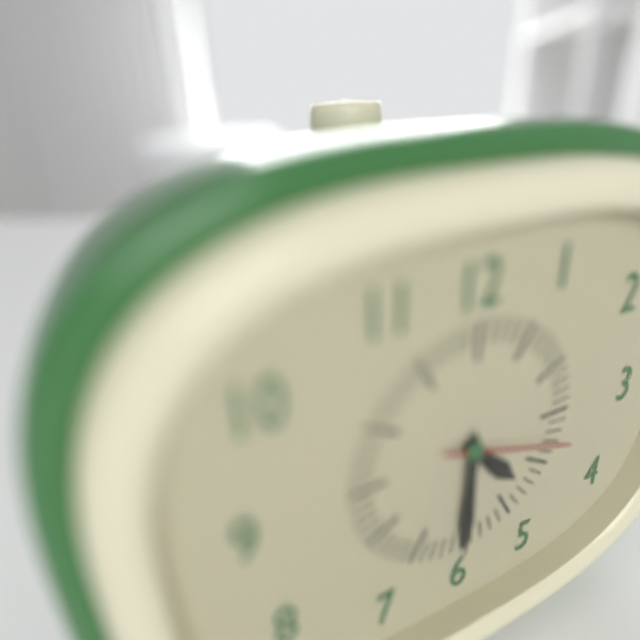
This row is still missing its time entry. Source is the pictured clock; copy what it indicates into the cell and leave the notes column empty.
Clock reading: 4:30:18
